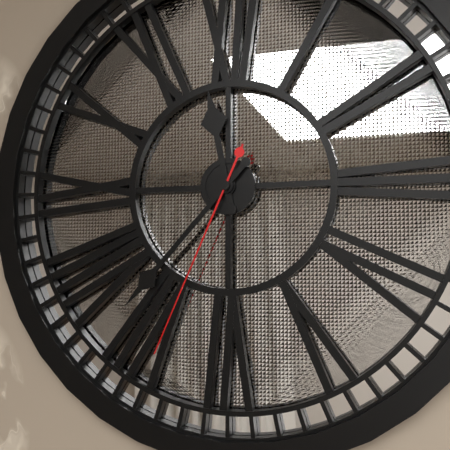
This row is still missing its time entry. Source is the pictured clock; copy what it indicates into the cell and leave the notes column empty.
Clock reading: 11:37:34
